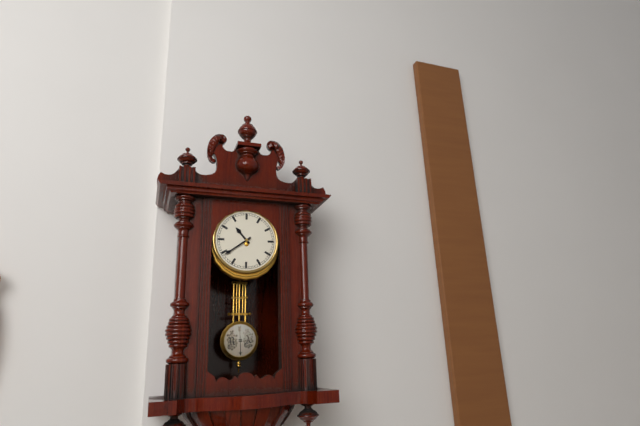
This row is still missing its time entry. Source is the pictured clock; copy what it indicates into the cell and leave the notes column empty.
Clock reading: 10:39
